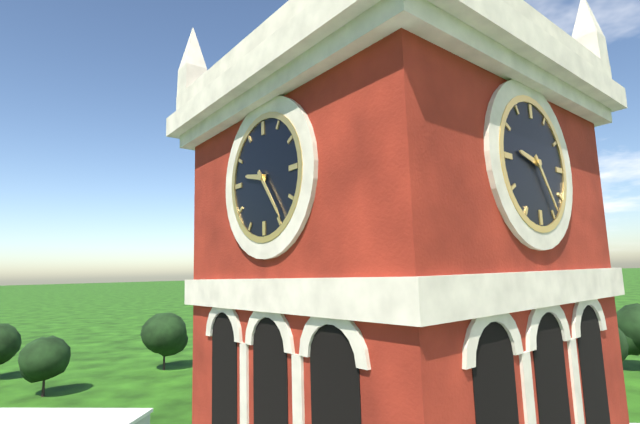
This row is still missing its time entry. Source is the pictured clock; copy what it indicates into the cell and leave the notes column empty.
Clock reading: 9:24
